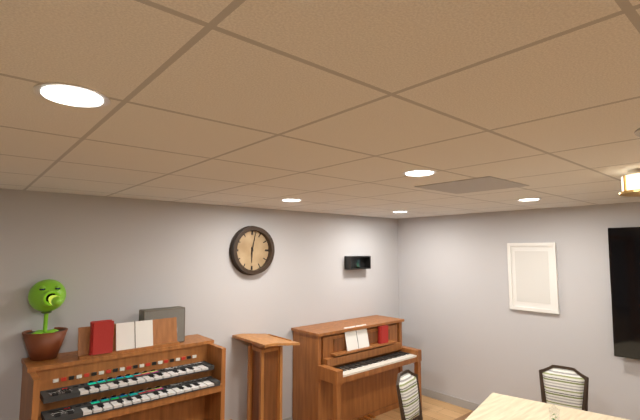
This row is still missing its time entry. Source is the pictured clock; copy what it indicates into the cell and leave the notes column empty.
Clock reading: 6:02
